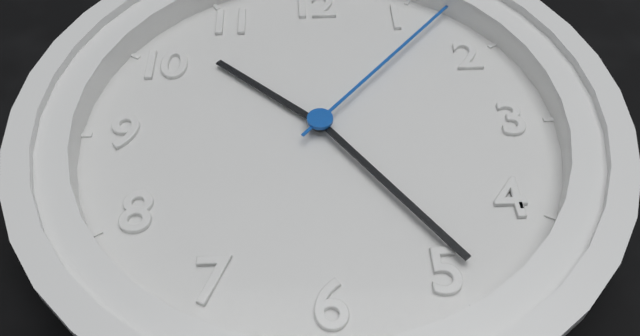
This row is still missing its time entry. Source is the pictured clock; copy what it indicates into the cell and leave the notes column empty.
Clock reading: 10:24
